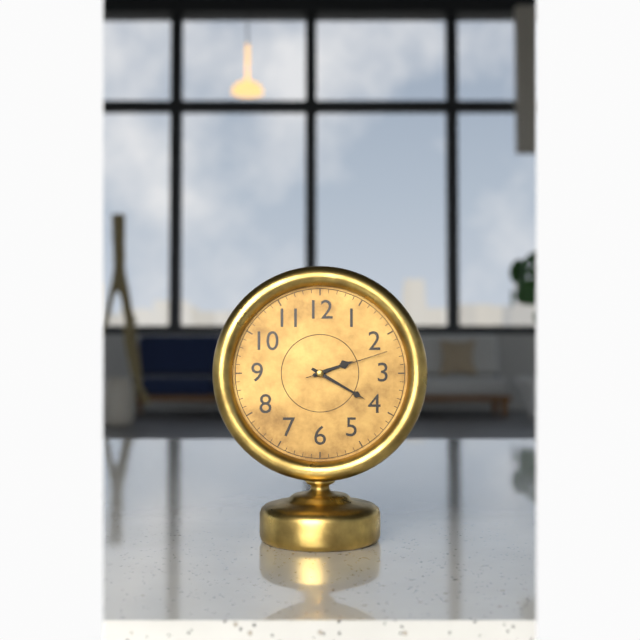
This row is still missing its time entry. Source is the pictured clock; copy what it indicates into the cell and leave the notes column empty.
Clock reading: 2:20:12
